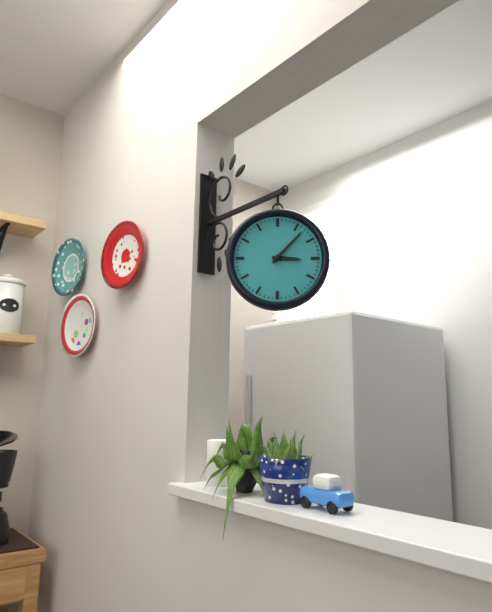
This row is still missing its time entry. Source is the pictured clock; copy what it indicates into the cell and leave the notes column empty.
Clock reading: 3:07
